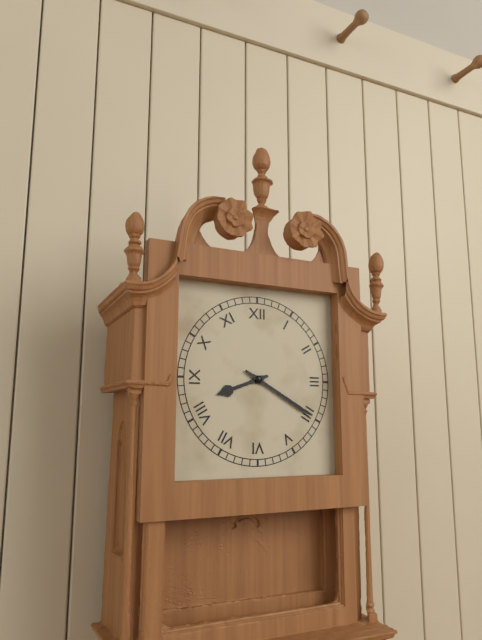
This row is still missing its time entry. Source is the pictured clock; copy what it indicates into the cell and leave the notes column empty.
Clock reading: 8:20
